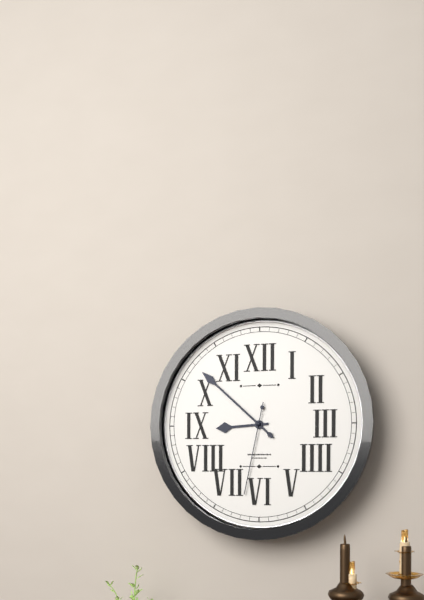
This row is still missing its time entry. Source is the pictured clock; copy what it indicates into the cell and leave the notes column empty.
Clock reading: 8:52:32
